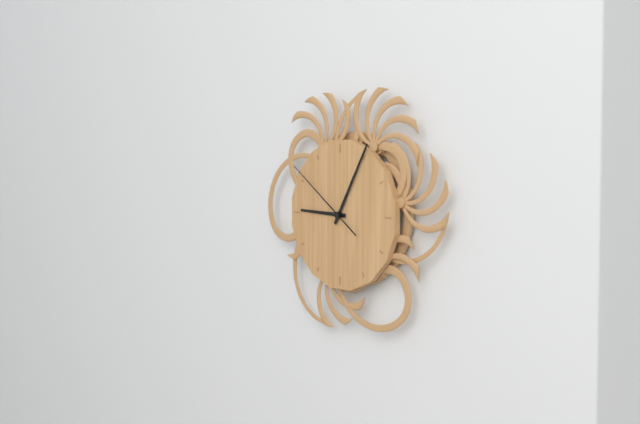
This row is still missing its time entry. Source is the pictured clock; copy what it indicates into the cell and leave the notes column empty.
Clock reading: 9:05:51
